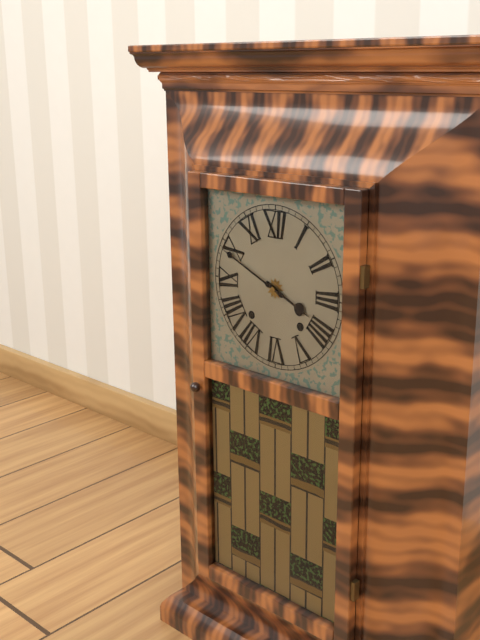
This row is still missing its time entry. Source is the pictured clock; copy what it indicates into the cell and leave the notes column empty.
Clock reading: 3:49
